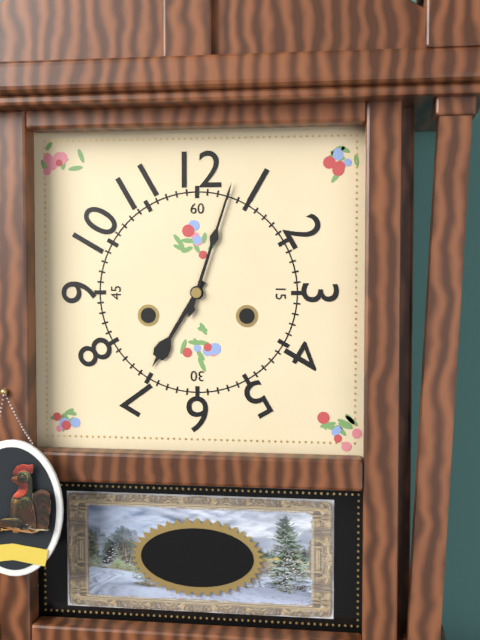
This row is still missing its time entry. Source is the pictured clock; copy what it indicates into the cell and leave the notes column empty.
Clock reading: 7:03
